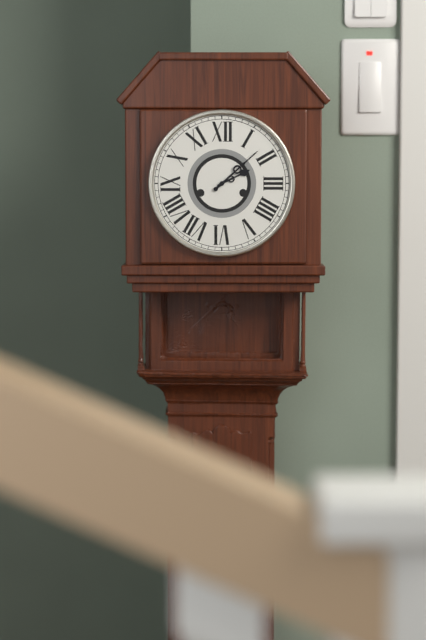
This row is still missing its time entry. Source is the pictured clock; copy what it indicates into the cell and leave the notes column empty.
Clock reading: 2:08
